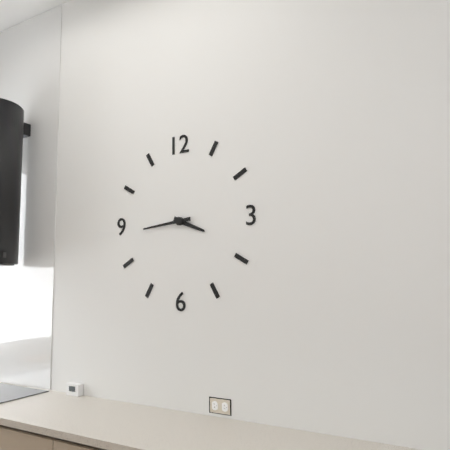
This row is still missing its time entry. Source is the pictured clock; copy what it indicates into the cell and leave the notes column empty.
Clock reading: 3:44
